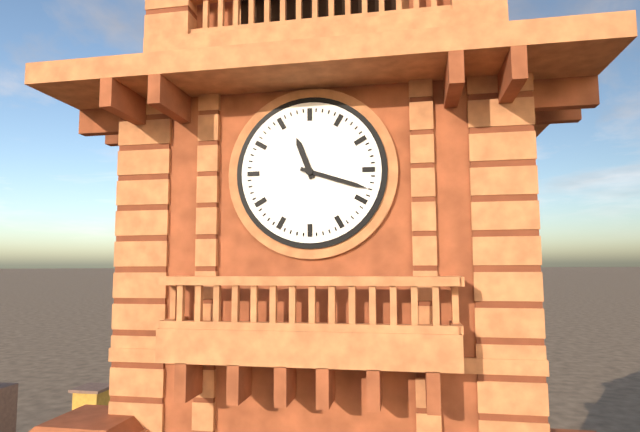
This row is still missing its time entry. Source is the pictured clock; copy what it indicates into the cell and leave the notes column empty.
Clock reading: 11:18
